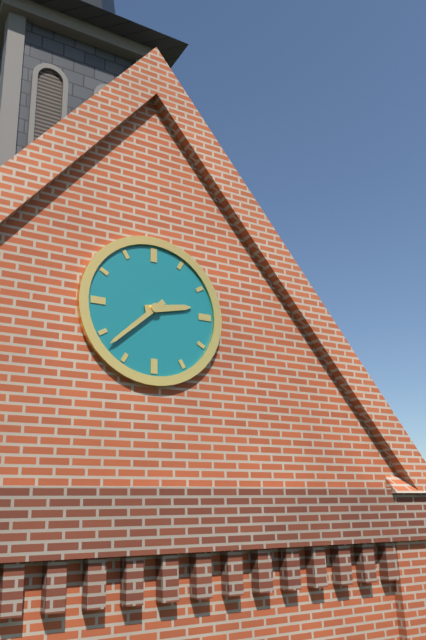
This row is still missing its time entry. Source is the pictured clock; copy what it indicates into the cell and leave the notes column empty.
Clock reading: 2:38
